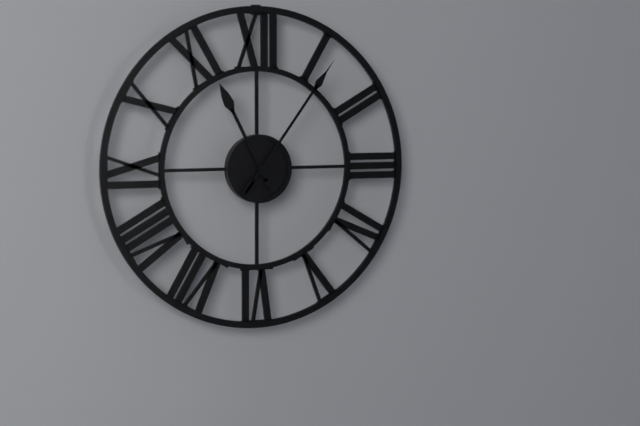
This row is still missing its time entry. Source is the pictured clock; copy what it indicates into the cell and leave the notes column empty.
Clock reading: 11:06
